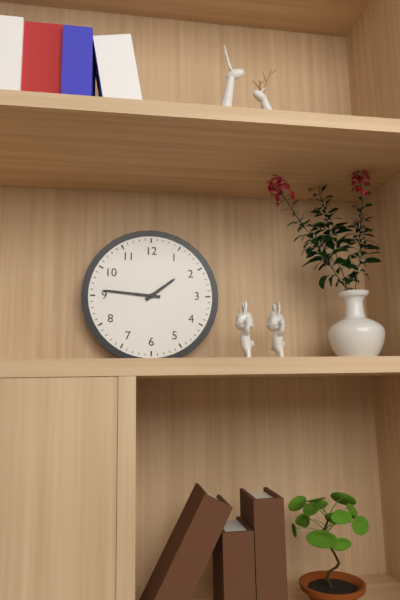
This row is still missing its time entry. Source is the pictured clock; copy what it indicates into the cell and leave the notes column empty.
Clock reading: 1:46
